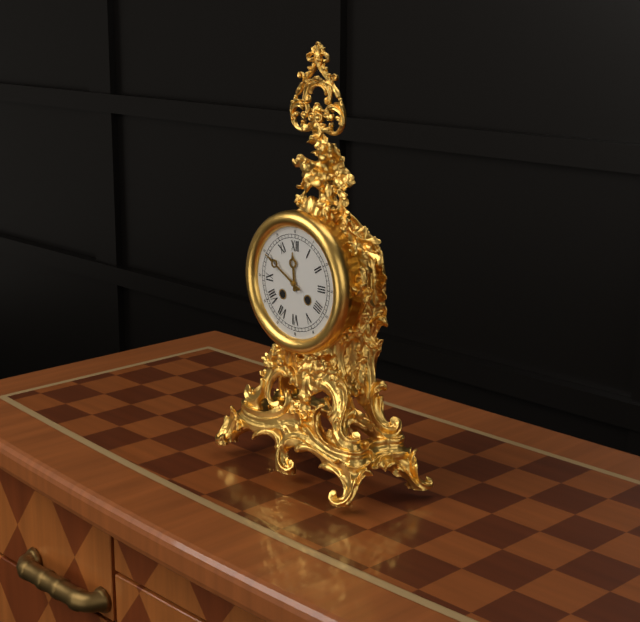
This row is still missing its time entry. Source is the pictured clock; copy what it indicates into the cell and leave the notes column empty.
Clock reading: 11:50
